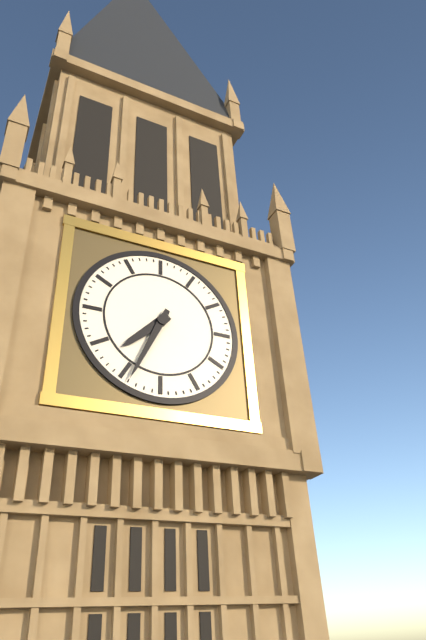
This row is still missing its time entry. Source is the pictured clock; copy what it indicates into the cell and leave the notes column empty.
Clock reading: 7:34
